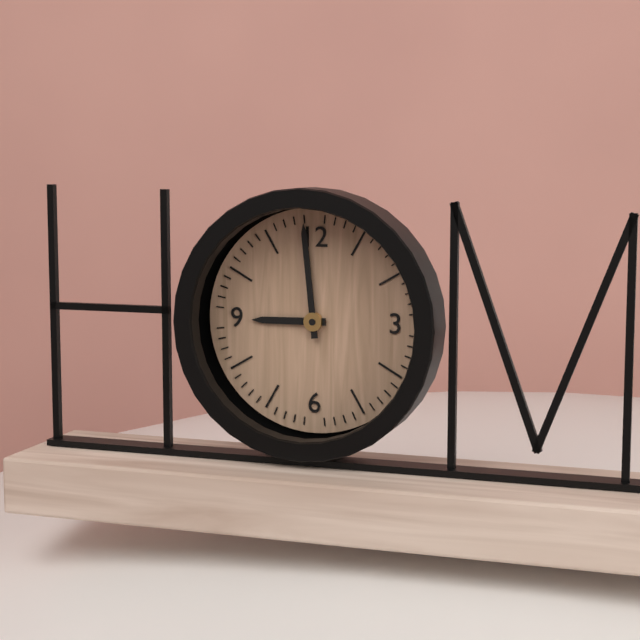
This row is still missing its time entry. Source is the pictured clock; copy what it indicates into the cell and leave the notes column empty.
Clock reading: 8:59
